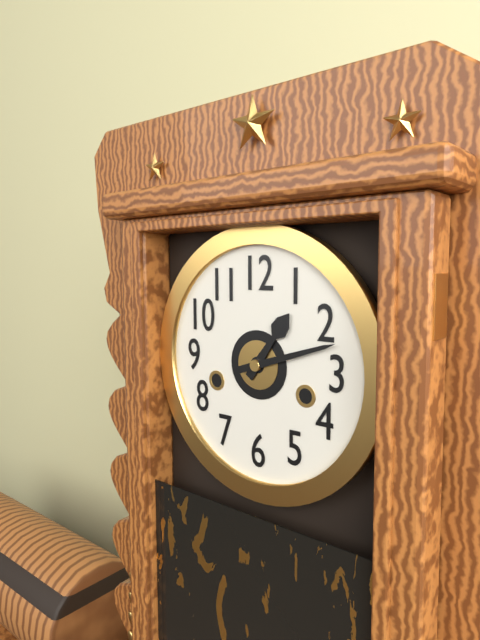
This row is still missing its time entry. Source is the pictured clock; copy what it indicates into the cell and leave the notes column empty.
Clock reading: 1:12
